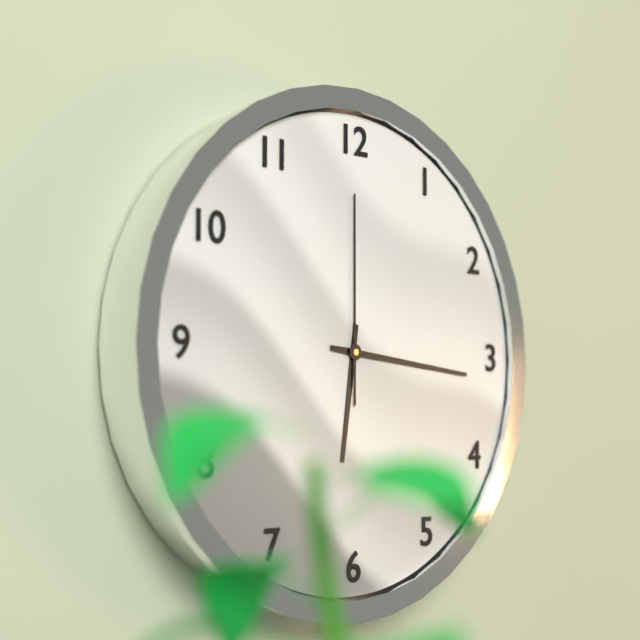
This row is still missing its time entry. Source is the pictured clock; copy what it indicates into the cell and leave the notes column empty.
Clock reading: 6:16:00
